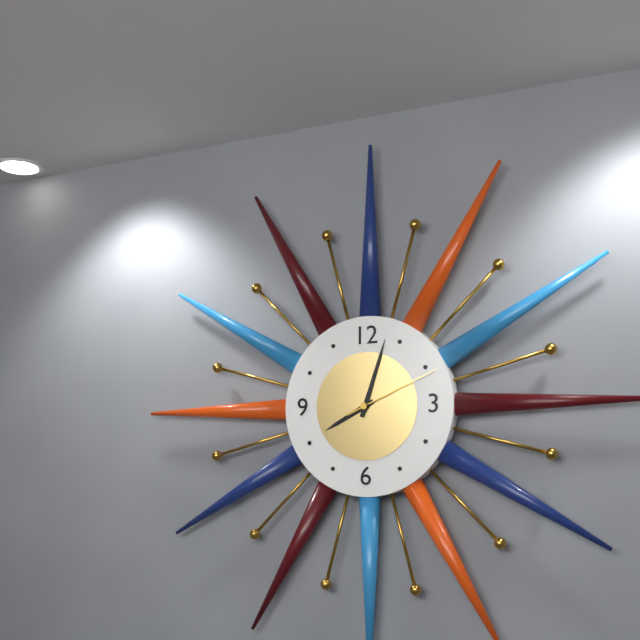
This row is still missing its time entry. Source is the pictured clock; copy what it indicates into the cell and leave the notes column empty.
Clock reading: 8:03:11
